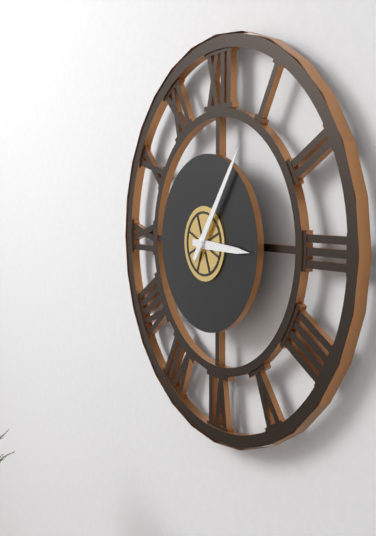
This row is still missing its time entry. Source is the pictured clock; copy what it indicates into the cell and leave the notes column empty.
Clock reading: 3:06
